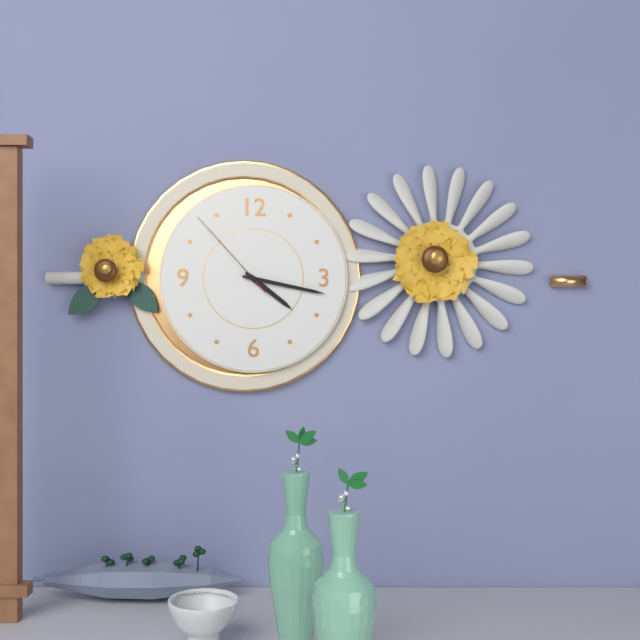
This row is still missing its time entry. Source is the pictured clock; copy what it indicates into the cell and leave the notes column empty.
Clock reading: 4:17:53
